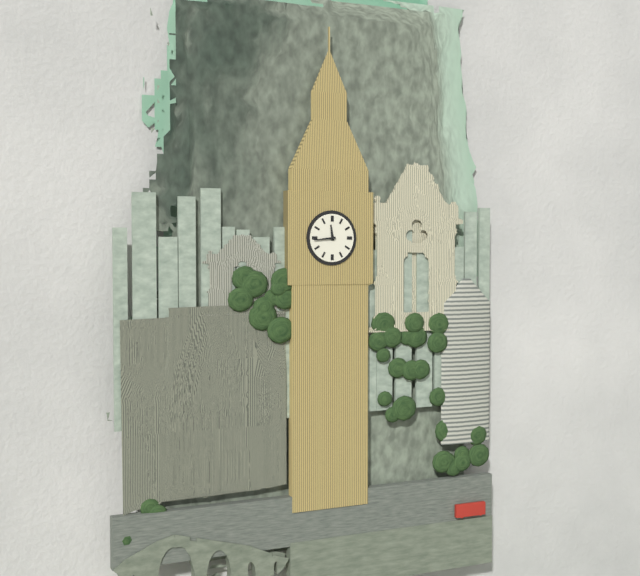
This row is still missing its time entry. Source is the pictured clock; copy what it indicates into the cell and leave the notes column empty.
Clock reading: 11:44
